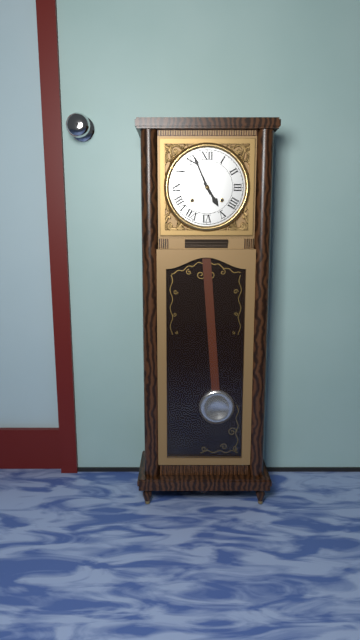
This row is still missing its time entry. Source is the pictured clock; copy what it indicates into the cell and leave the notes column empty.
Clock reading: 4:56
